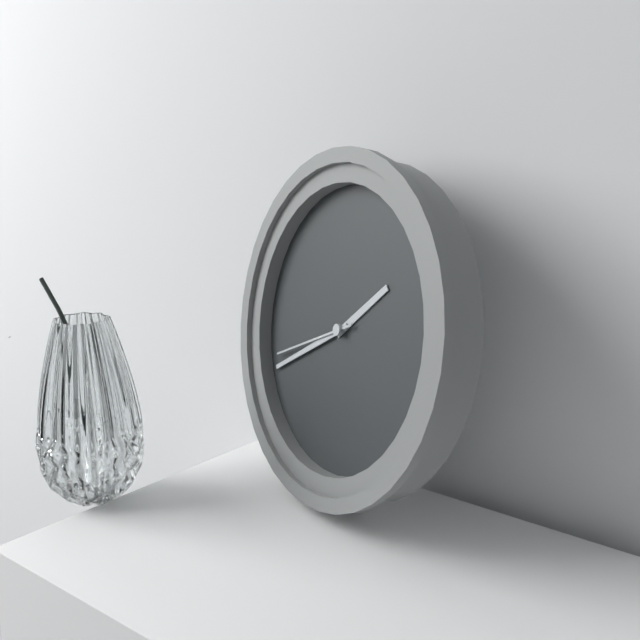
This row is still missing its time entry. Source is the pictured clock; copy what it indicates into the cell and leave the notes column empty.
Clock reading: 1:40:41
